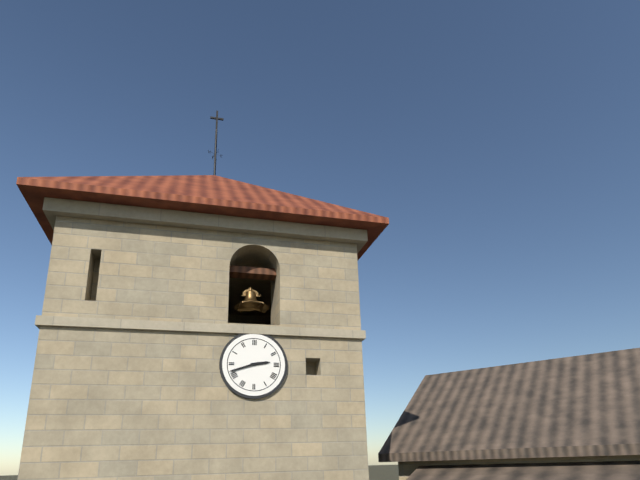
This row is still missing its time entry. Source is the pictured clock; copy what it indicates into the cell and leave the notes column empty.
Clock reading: 2:42
